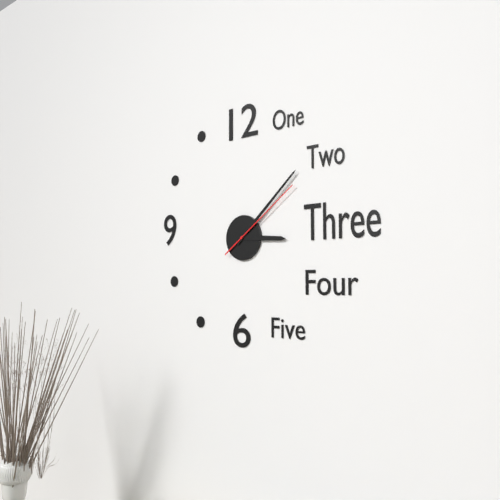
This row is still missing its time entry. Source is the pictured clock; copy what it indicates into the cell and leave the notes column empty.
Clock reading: 3:08:09
